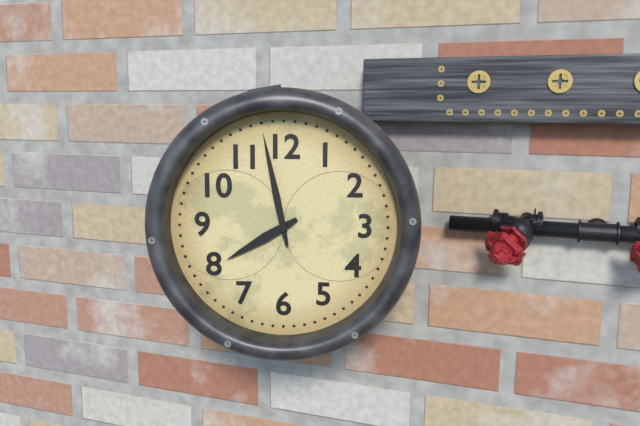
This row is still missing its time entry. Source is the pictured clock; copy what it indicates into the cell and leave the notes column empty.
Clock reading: 7:58
